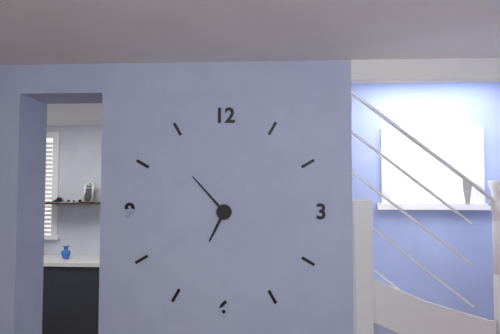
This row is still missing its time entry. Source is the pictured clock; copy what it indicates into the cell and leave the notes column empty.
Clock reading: 6:53
